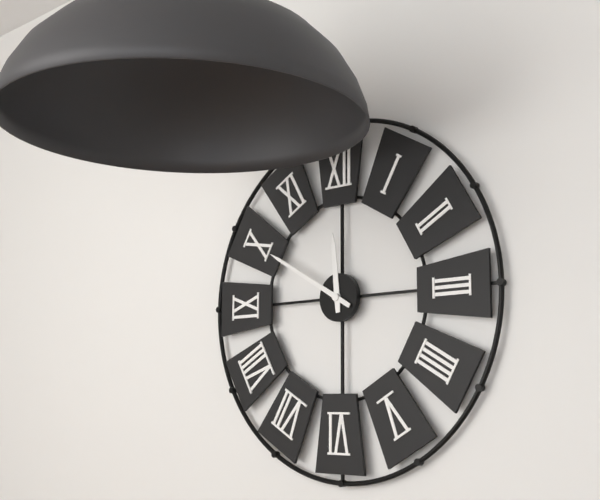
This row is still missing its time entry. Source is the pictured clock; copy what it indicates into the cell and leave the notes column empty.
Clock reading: 11:50
